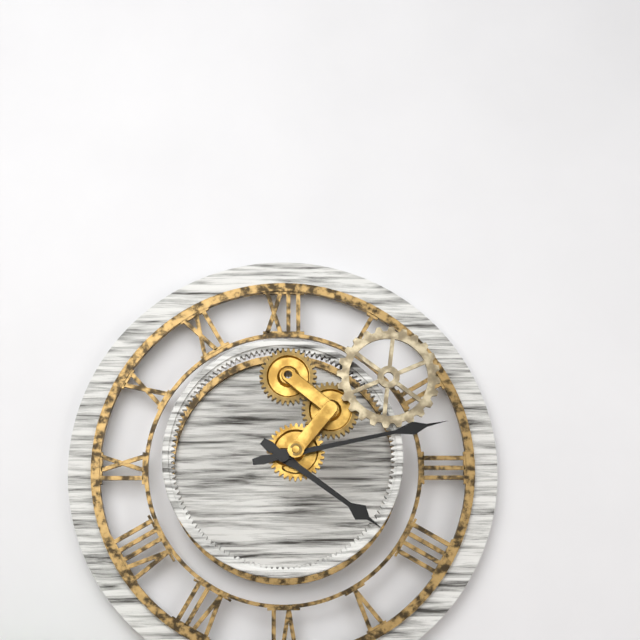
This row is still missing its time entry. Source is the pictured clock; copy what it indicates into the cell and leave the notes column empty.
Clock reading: 4:13
